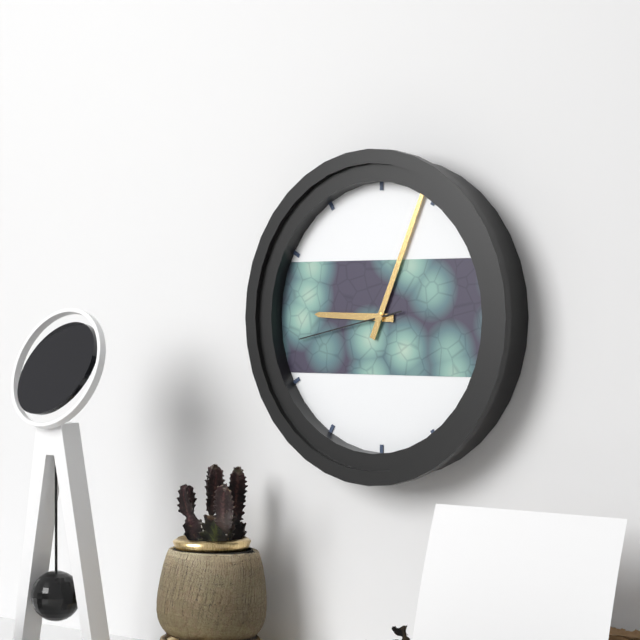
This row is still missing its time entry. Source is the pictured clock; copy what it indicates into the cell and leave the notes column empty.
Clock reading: 9:04:43
